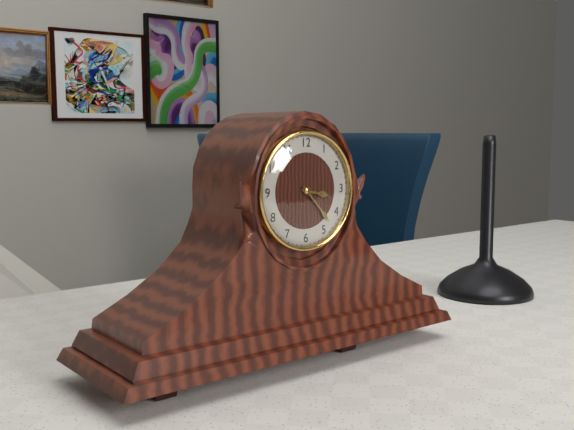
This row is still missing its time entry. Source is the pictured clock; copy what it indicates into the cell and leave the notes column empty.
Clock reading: 3:23
